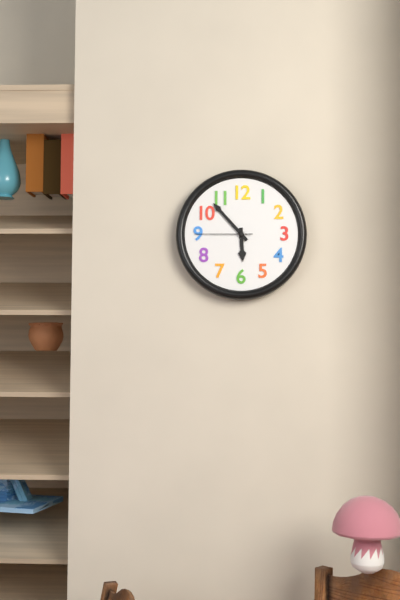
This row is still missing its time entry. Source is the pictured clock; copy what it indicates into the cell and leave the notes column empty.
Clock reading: 5:53:45
